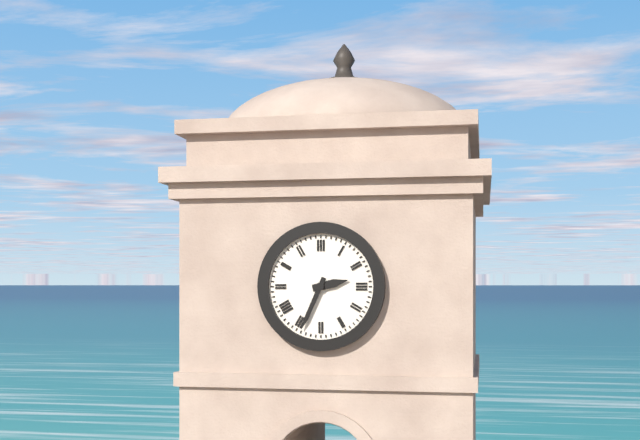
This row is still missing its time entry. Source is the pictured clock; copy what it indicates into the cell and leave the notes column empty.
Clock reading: 2:34
